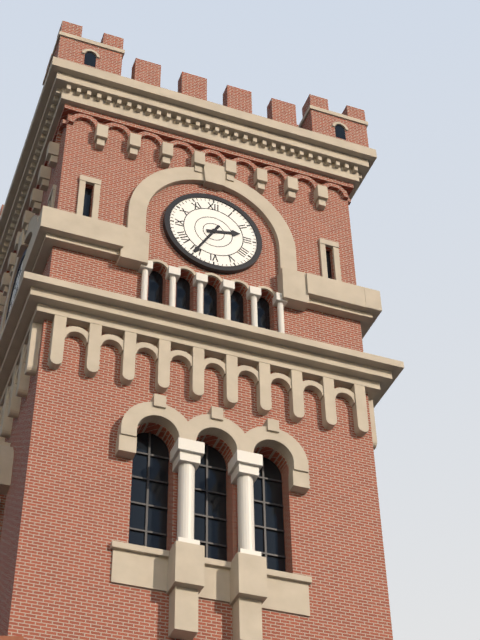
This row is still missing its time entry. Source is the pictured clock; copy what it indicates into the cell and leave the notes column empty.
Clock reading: 2:35
